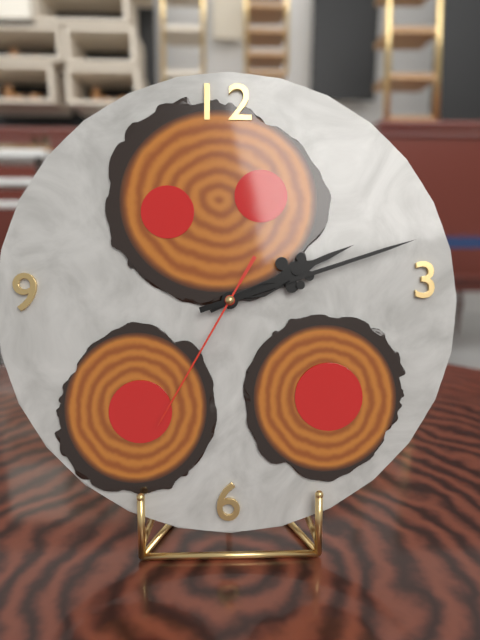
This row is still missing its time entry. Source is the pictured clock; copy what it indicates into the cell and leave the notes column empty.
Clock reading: 2:12:35
